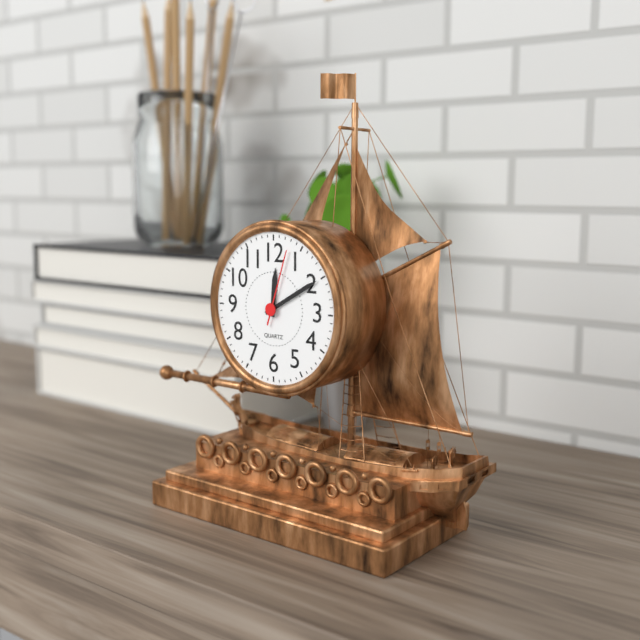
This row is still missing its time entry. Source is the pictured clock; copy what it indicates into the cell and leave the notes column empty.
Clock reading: 12:10:03
